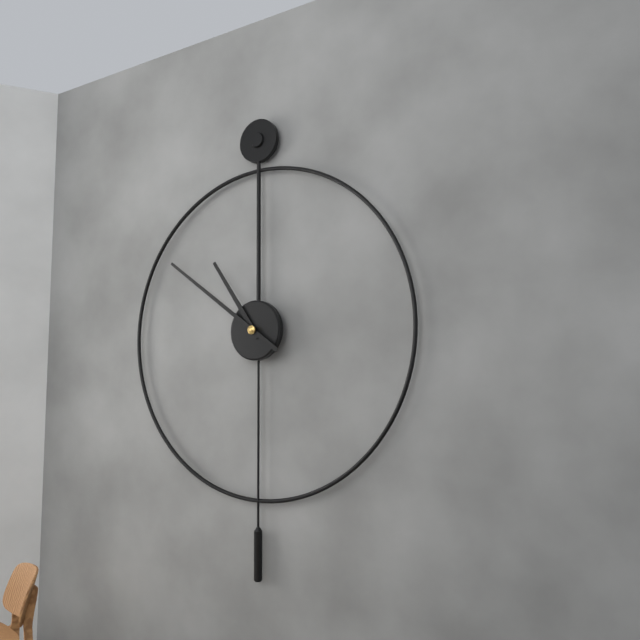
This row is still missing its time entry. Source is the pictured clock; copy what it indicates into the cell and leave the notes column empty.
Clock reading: 10:51
